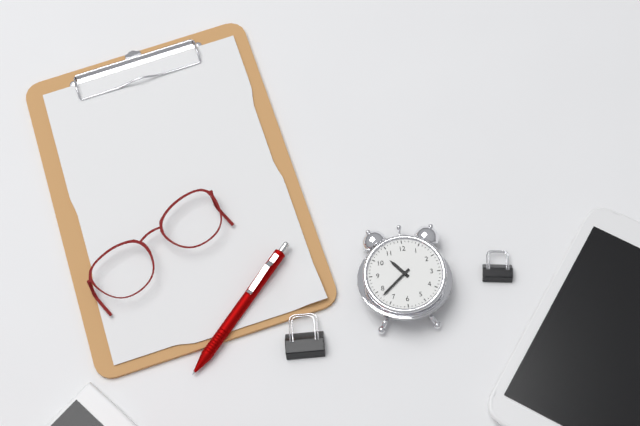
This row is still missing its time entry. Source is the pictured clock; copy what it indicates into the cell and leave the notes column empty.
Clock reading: 10:38
